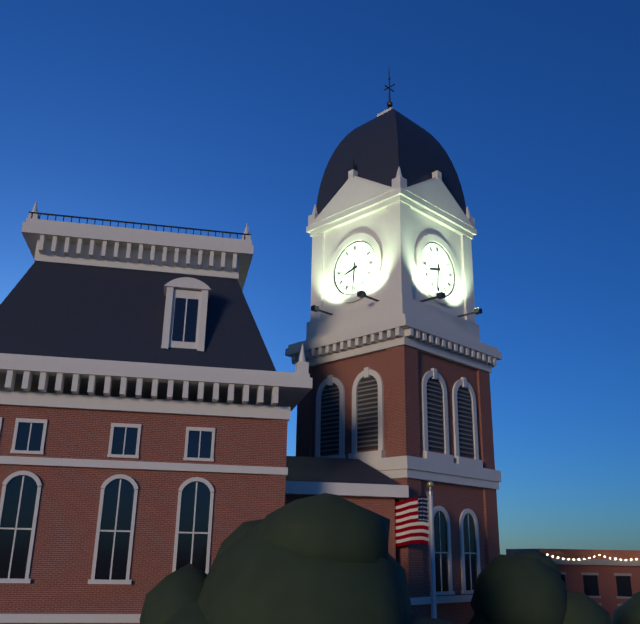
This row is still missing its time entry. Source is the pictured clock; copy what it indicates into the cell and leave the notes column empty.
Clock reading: 8:31
